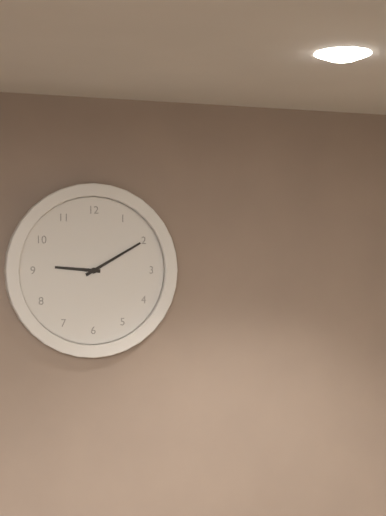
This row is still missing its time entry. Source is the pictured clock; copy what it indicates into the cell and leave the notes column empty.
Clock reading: 9:10
